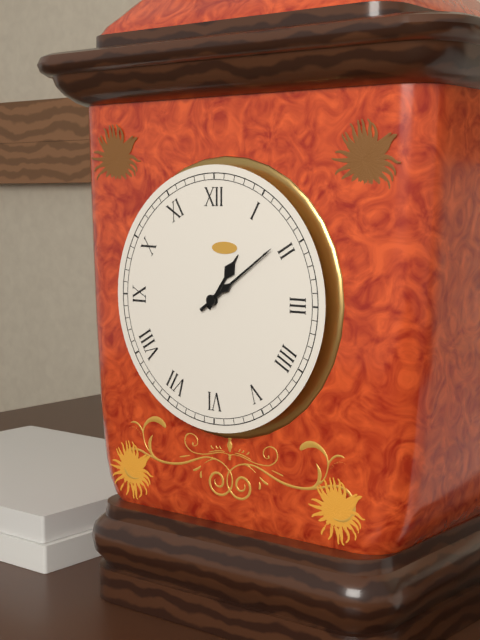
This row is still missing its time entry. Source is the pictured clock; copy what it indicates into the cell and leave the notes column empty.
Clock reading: 1:09
